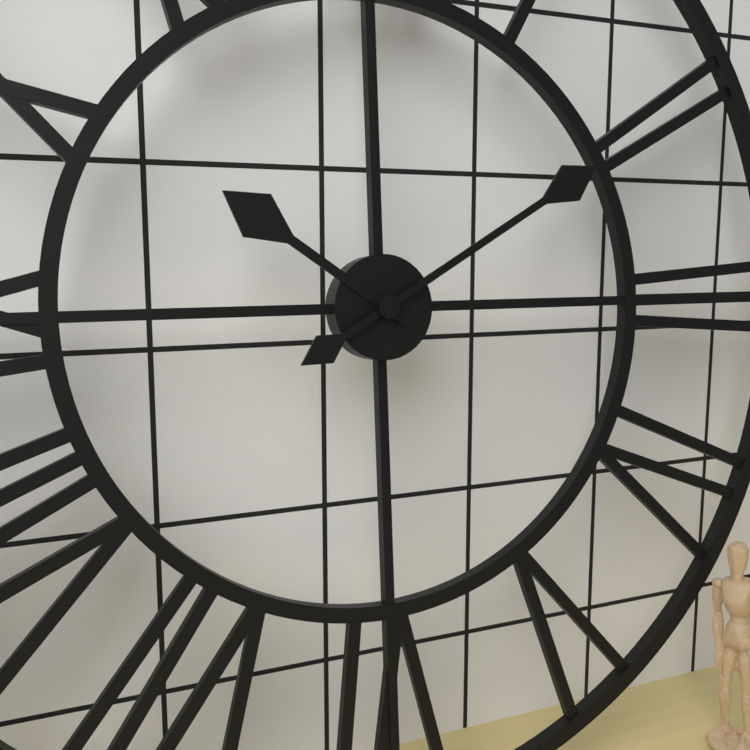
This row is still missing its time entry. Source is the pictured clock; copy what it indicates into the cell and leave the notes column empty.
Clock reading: 10:10
